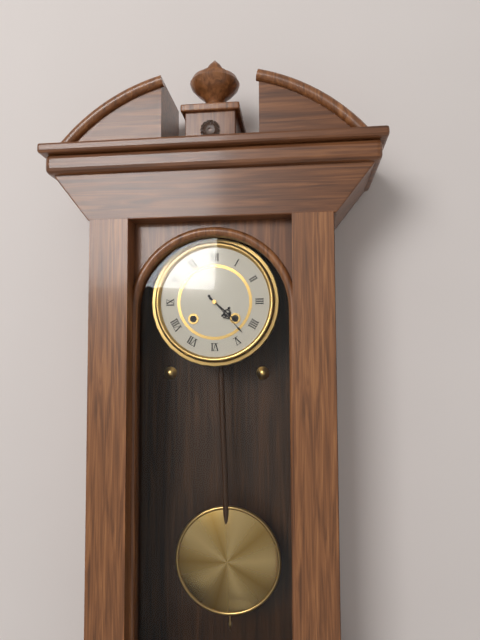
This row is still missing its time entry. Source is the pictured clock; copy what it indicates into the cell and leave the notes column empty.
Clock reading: 4:23
